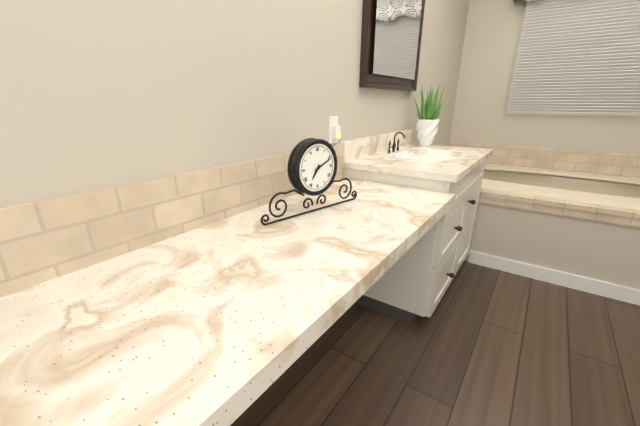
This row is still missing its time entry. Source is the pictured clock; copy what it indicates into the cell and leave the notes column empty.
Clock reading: 7:11
